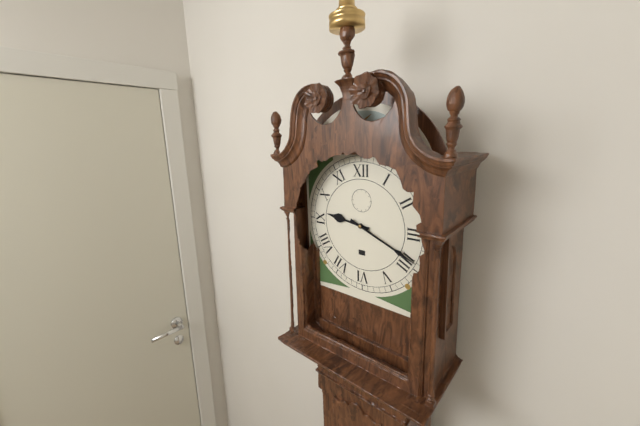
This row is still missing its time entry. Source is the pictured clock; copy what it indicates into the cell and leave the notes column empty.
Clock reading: 9:19
